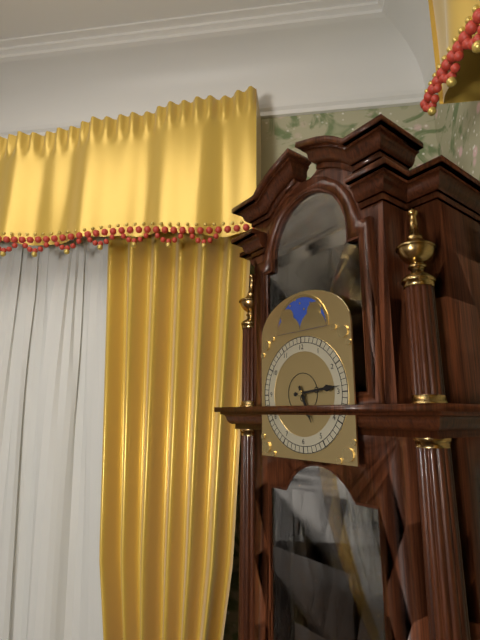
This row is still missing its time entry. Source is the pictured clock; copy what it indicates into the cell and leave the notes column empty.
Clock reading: 5:14
